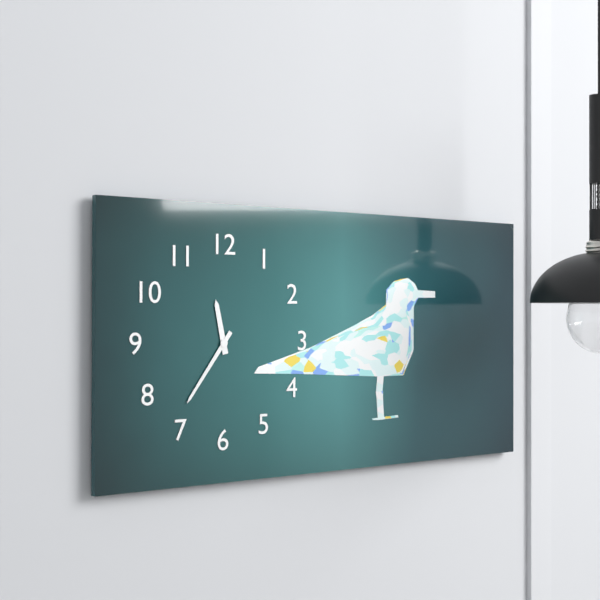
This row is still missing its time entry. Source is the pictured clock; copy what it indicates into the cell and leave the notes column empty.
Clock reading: 11:36
